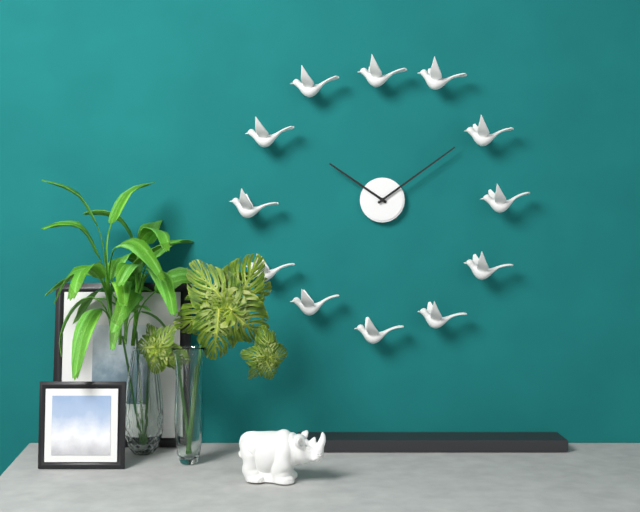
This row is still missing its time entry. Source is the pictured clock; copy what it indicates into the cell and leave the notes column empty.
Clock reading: 10:09
